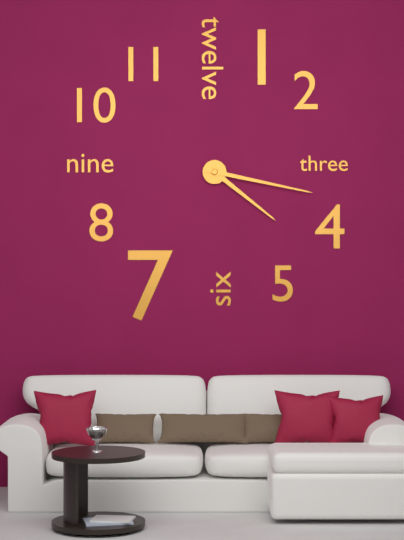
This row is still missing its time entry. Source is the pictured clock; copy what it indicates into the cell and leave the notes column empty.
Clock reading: 4:17
